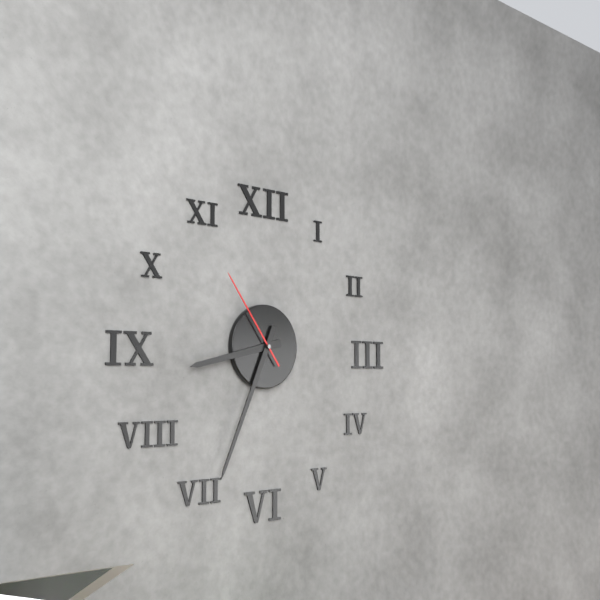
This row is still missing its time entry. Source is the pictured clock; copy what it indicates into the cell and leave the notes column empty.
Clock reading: 8:34:54
